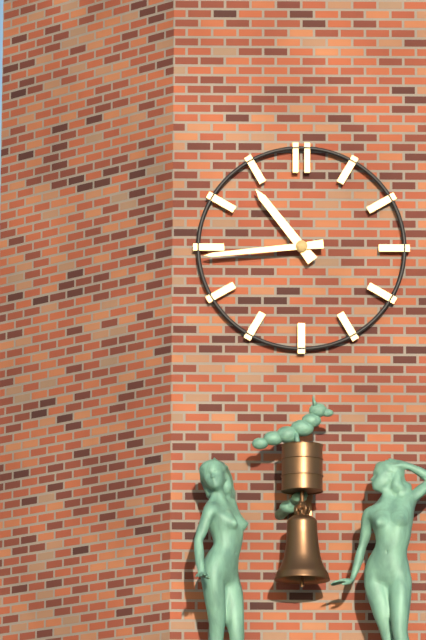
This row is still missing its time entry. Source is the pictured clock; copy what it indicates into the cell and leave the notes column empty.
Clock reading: 10:44
